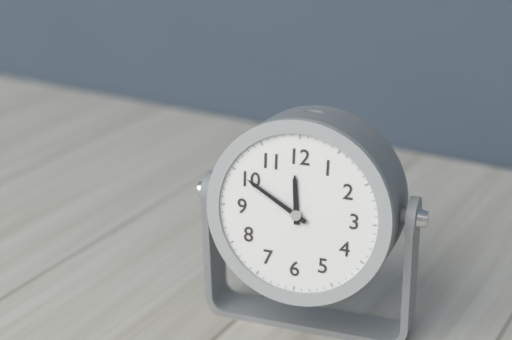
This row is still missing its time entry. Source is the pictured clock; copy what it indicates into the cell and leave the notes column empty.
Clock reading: 11:50
